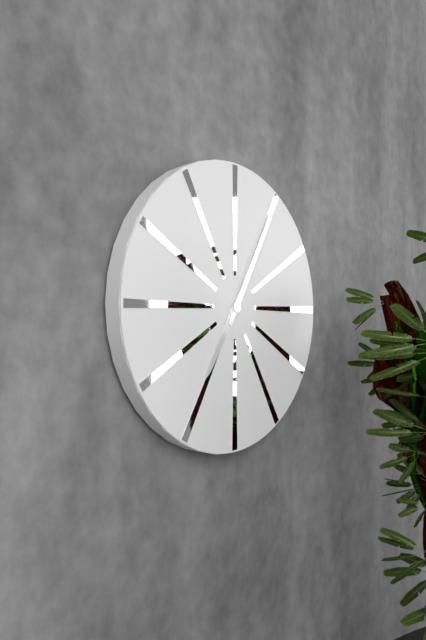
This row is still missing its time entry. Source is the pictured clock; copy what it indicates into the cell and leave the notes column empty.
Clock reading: 7:05
